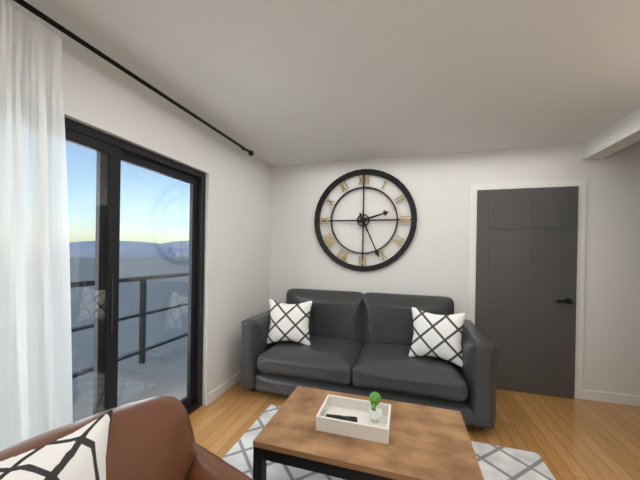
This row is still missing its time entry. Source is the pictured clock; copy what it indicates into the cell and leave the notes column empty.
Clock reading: 2:26
